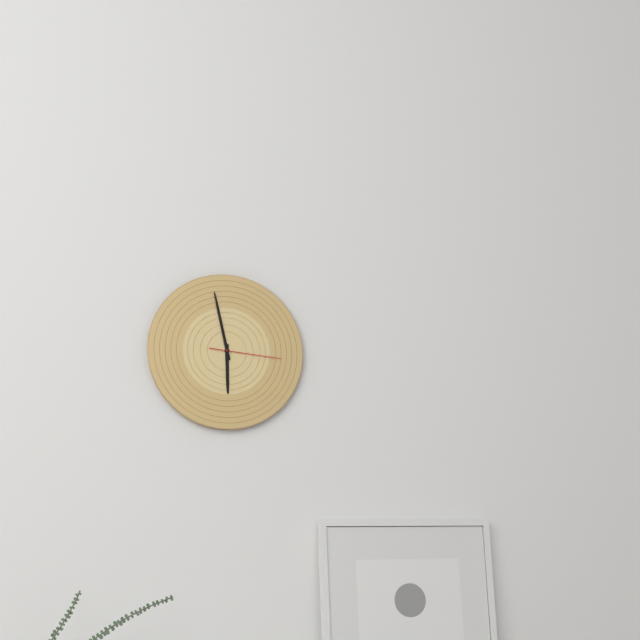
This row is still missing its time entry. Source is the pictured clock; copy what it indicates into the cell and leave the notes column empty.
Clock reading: 5:58:16
